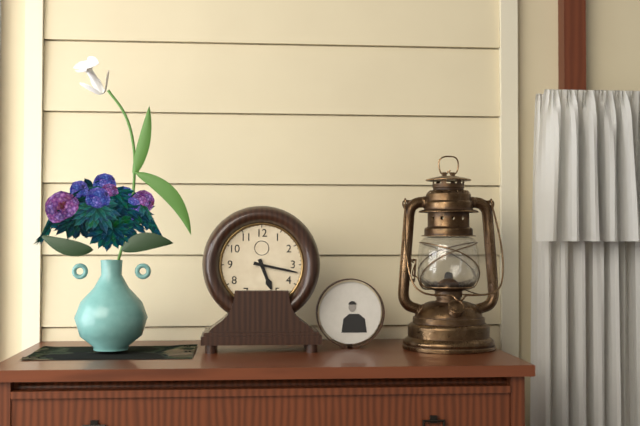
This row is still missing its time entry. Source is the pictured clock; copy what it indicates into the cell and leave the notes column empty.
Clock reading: 5:17
